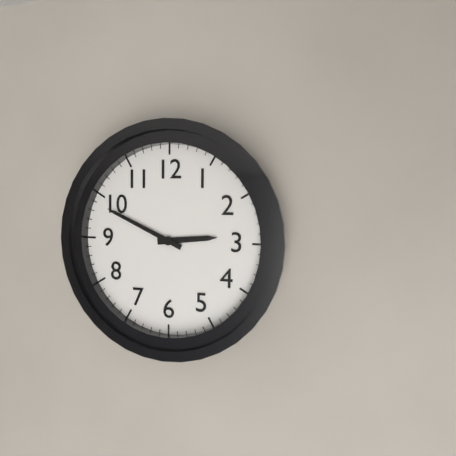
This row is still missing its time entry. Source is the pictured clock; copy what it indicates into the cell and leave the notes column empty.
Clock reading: 2:49
